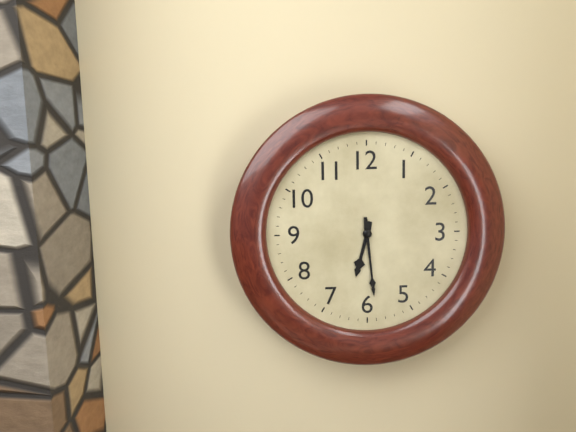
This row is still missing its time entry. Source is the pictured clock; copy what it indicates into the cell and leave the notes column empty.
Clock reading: 6:29
